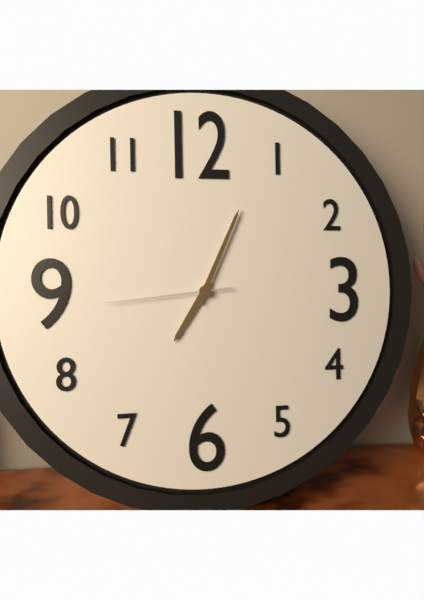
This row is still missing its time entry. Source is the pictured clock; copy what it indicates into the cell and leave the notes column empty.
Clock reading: 7:04:44
